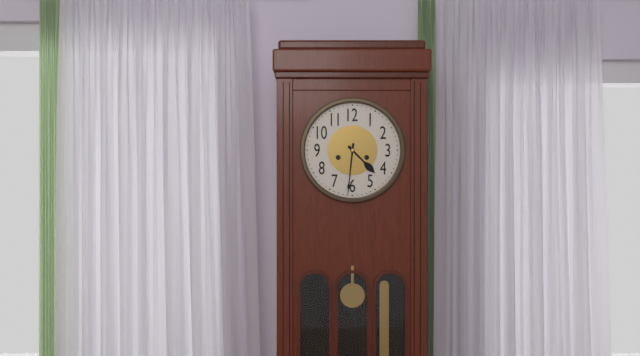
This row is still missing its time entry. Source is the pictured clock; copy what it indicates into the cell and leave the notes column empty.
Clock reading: 4:31
